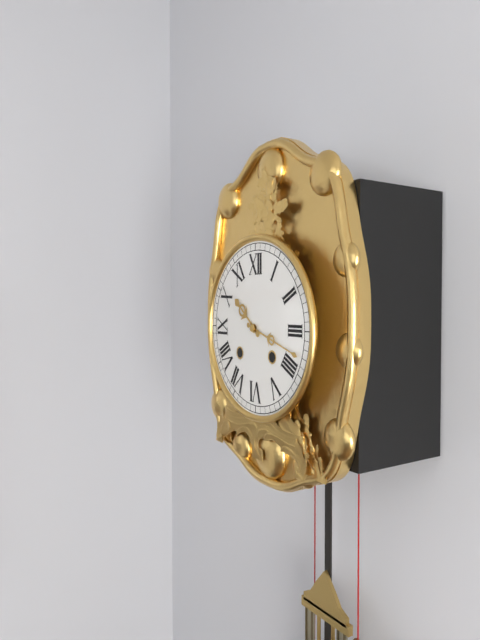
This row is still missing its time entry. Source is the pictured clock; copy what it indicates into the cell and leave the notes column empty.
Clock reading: 10:18
